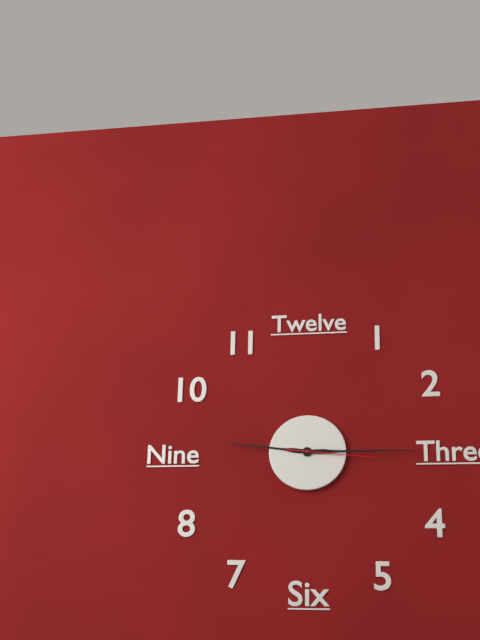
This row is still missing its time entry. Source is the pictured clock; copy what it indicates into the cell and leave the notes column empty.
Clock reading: 9:15:16
